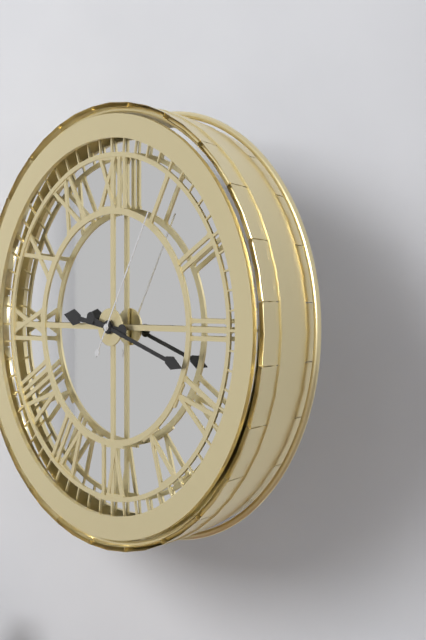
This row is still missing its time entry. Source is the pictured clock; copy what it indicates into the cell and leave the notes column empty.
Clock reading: 9:18:05
